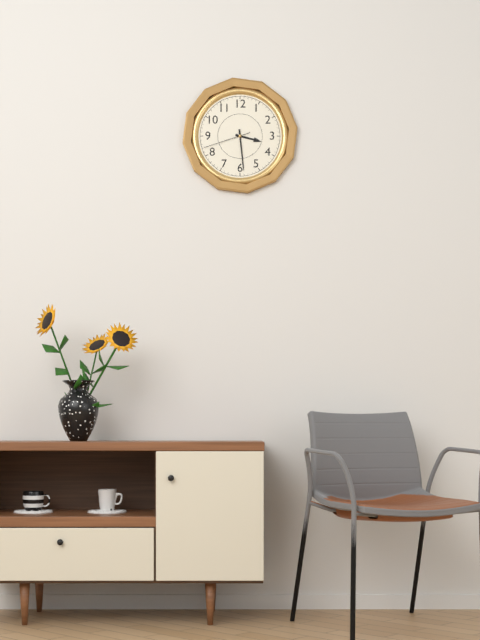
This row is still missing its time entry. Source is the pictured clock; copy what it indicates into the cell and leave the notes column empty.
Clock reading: 3:29
